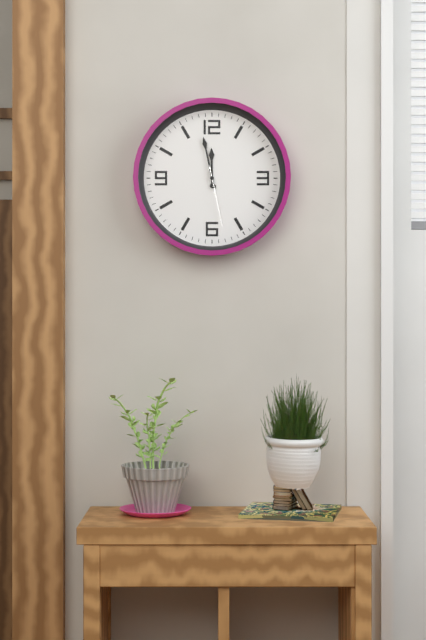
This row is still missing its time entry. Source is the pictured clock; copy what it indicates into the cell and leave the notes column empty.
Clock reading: 11:58:28
